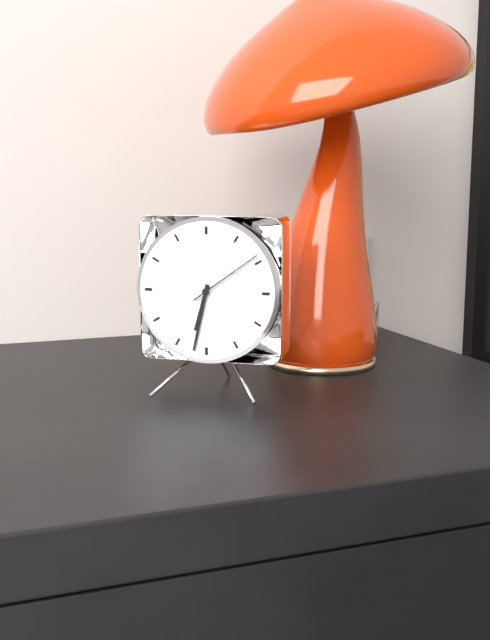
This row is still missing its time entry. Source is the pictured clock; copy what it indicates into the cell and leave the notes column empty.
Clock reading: 6:32:09
